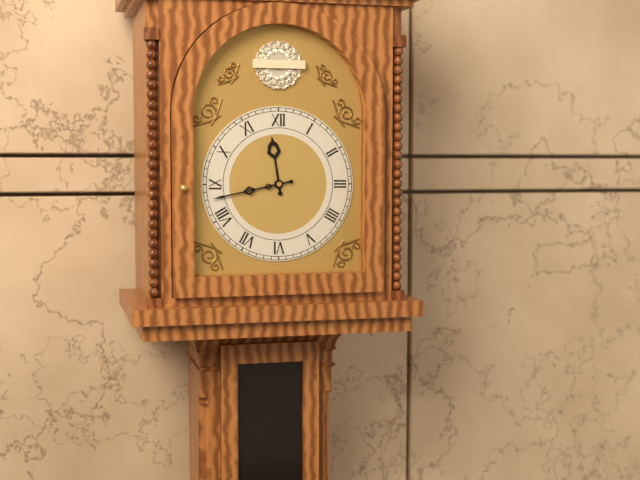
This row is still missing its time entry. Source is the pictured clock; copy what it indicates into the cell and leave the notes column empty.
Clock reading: 11:43
